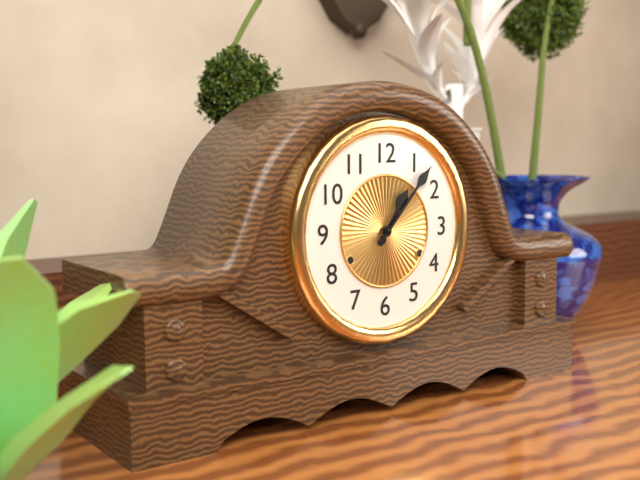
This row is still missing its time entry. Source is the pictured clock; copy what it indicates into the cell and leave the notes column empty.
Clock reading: 1:07
